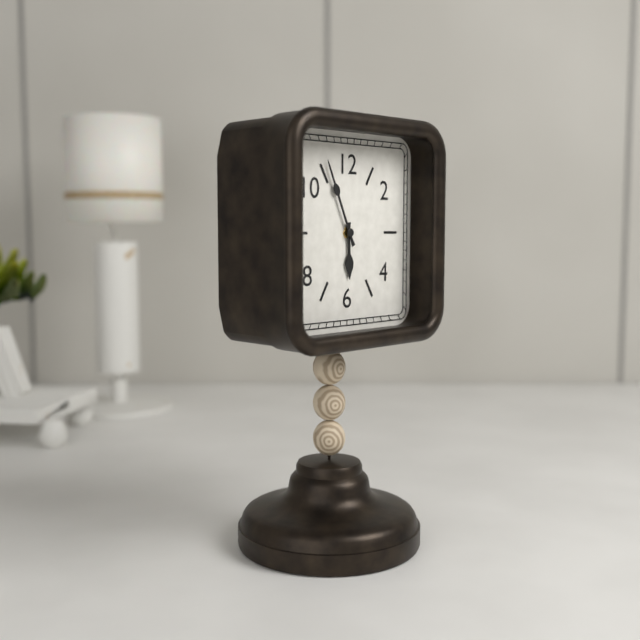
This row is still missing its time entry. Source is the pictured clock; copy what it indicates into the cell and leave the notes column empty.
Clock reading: 5:56
